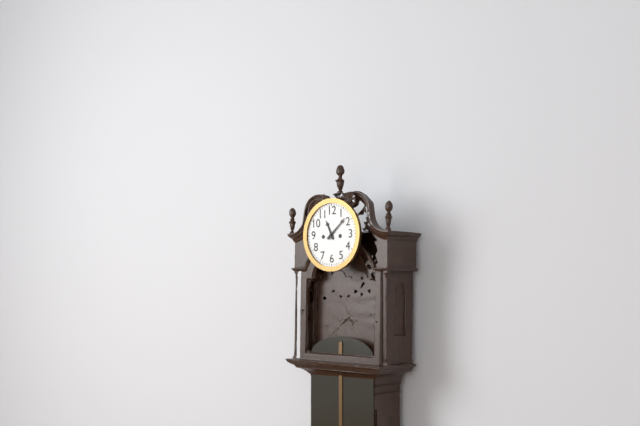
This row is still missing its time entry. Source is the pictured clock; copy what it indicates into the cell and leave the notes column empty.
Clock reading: 11:08
